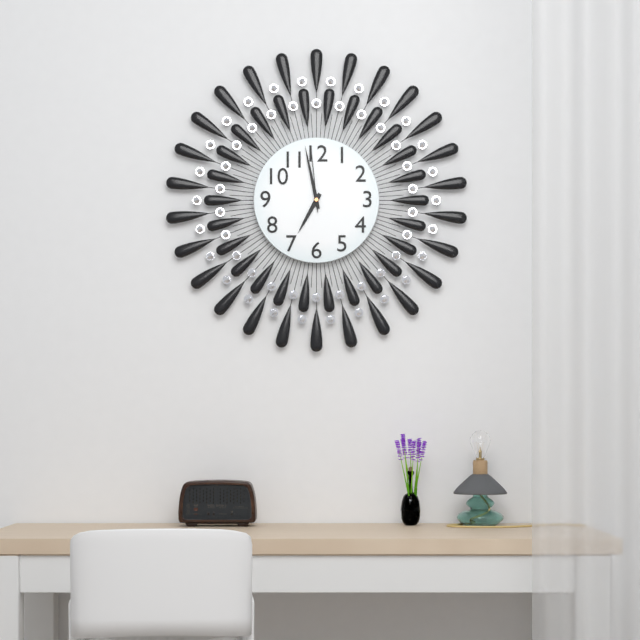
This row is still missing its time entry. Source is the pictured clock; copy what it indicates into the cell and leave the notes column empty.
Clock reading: 6:58:59
